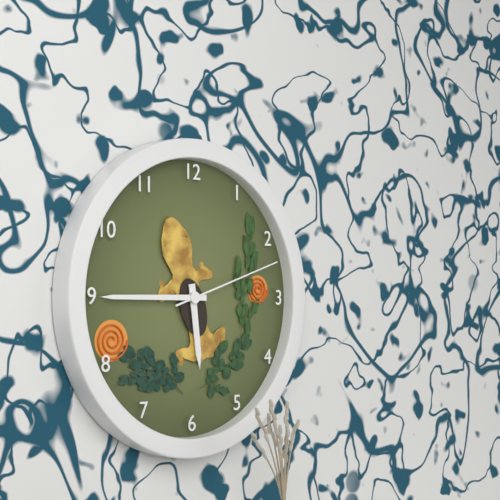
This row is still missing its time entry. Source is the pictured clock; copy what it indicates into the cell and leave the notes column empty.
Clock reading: 5:45:12
